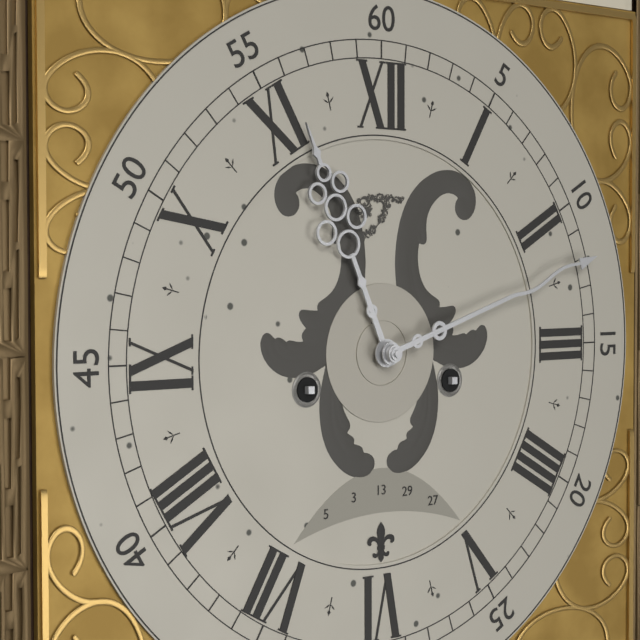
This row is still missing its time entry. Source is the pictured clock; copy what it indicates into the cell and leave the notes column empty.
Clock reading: 11:12
